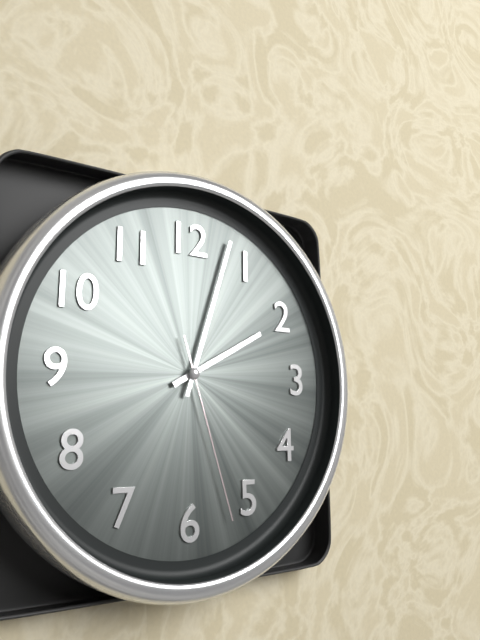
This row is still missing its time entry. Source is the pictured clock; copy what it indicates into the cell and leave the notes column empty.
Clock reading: 2:03:27
